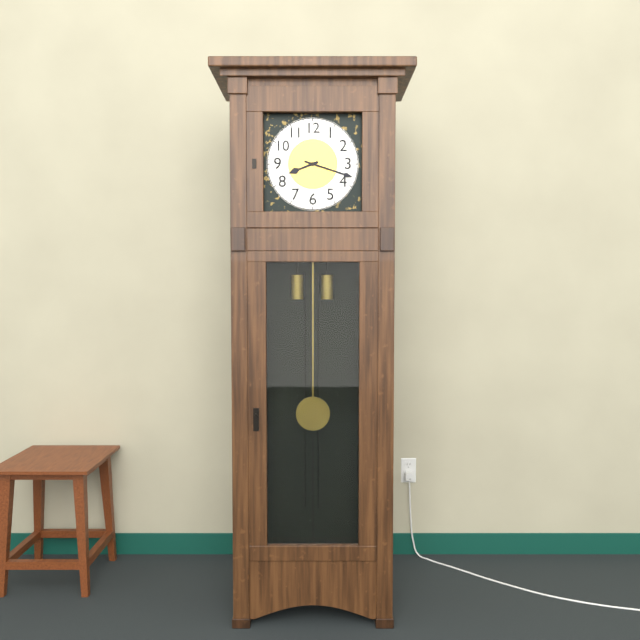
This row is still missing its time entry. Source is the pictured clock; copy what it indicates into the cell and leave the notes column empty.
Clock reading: 8:18
